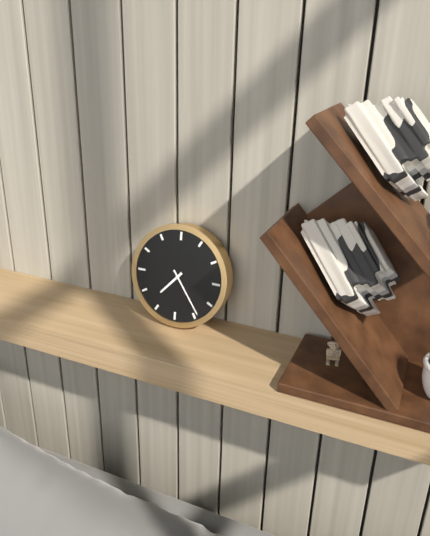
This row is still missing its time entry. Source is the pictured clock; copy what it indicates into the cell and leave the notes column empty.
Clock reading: 7:24
